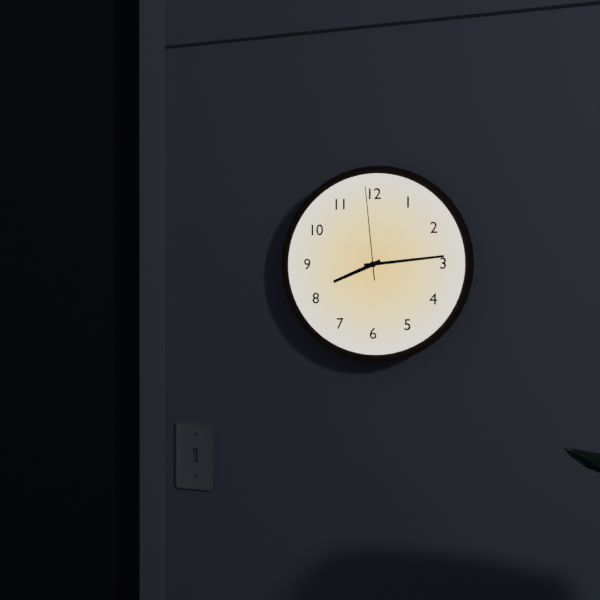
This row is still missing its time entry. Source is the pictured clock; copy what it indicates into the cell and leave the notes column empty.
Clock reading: 8:14:59
